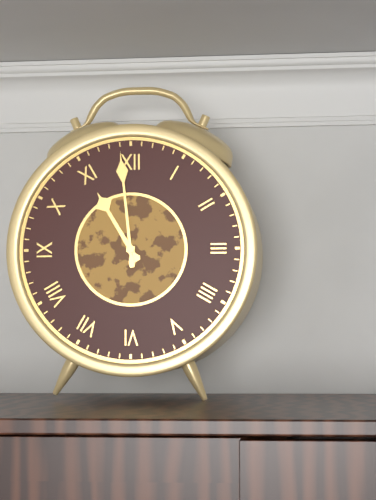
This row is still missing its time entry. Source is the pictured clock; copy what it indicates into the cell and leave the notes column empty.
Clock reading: 10:59
